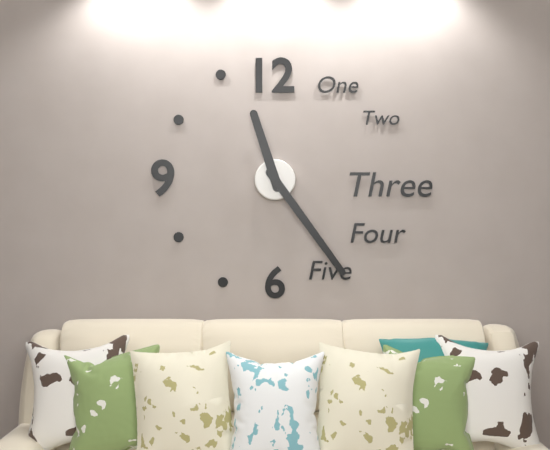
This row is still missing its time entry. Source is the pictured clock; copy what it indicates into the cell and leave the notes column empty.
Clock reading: 11:24
